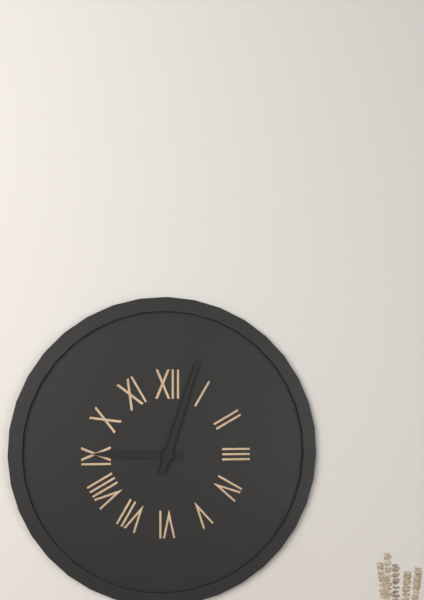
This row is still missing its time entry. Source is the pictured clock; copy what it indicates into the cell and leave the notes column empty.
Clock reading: 9:03
